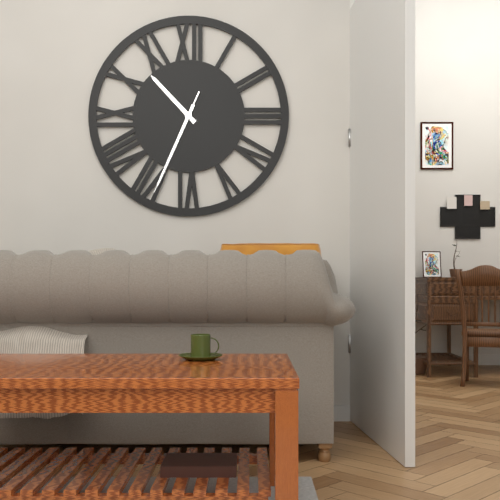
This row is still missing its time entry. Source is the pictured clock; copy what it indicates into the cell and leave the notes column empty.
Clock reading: 10:34:34
